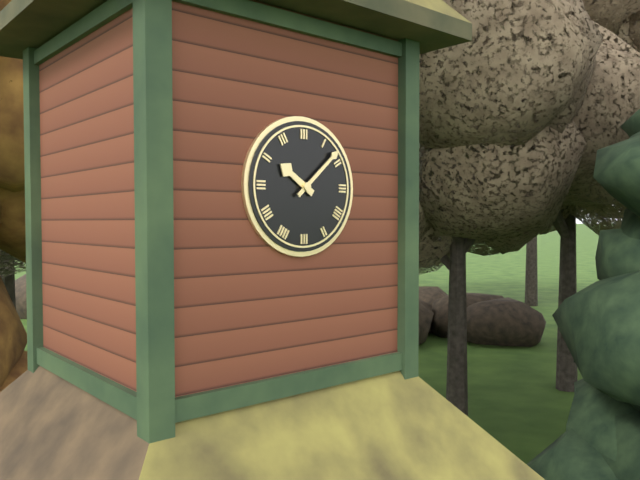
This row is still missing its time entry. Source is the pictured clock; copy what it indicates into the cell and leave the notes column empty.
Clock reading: 10:08
